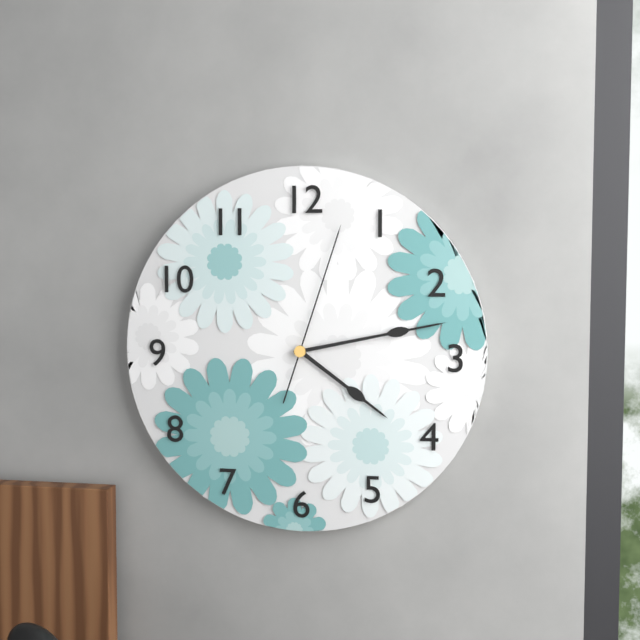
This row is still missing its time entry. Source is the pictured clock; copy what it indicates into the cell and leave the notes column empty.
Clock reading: 4:13:03
